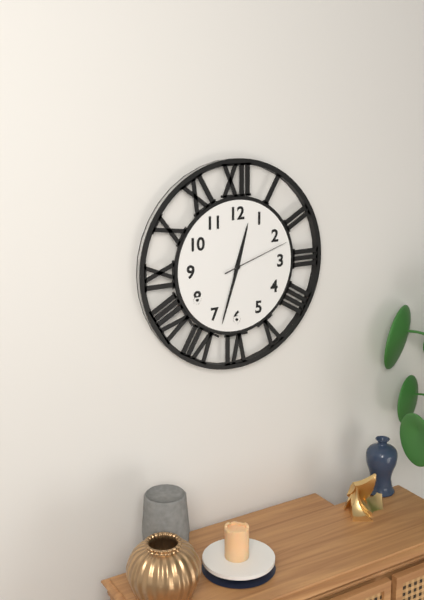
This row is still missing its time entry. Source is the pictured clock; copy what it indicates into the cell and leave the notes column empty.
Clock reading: 12:33:12
